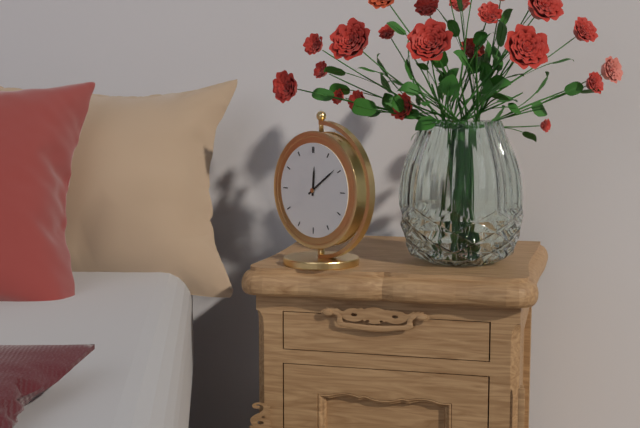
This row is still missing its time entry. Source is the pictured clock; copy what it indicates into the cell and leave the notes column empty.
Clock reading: 12:09
